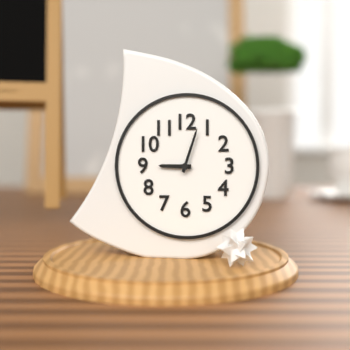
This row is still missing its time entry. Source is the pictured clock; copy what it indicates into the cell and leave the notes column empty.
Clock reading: 9:03
